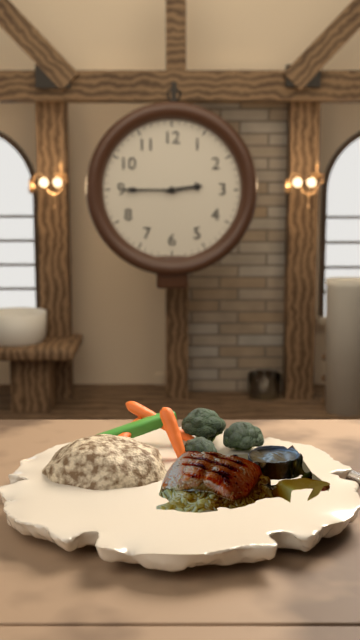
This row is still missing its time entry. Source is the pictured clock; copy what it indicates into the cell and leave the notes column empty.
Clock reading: 2:45
